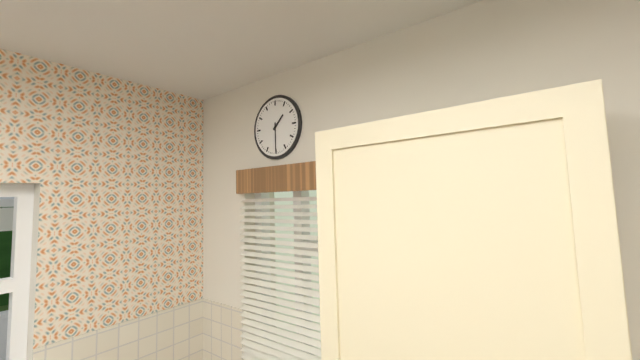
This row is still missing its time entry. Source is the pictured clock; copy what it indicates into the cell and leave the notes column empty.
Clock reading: 1:30
